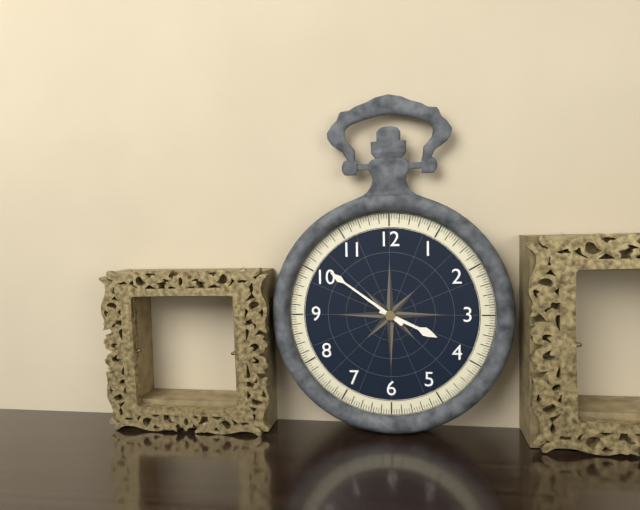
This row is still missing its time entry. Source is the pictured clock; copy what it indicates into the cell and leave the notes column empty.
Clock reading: 3:51
